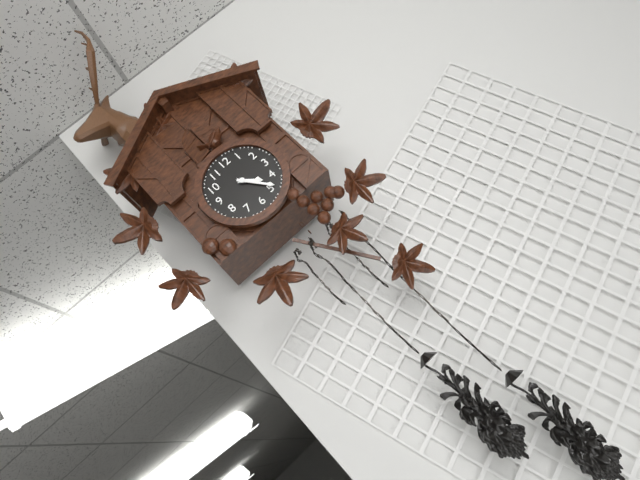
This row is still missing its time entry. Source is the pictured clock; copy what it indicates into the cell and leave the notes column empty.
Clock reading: 4:24
